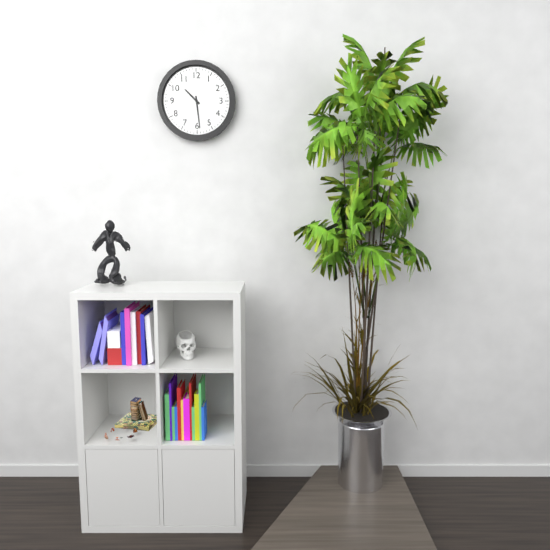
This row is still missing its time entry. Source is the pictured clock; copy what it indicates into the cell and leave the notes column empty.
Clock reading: 10:29
